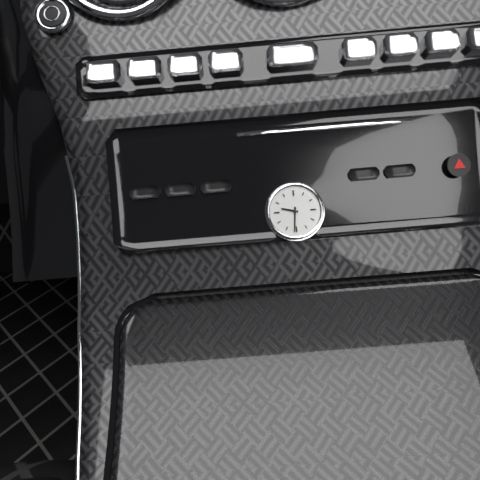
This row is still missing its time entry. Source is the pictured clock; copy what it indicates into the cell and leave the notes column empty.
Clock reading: 9:31
